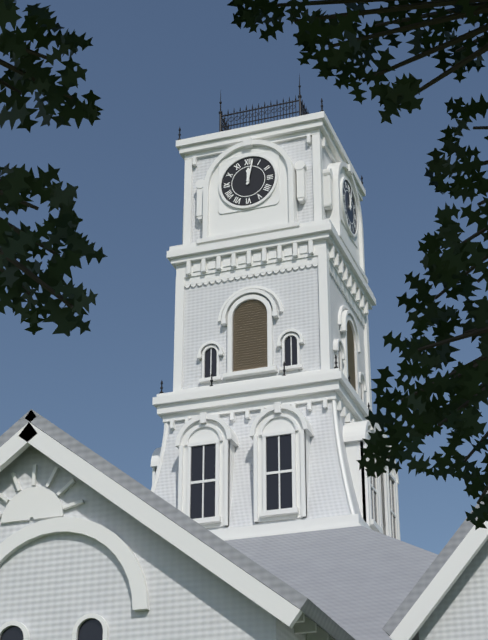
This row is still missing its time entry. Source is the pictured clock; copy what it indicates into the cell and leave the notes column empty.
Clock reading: 12:02
